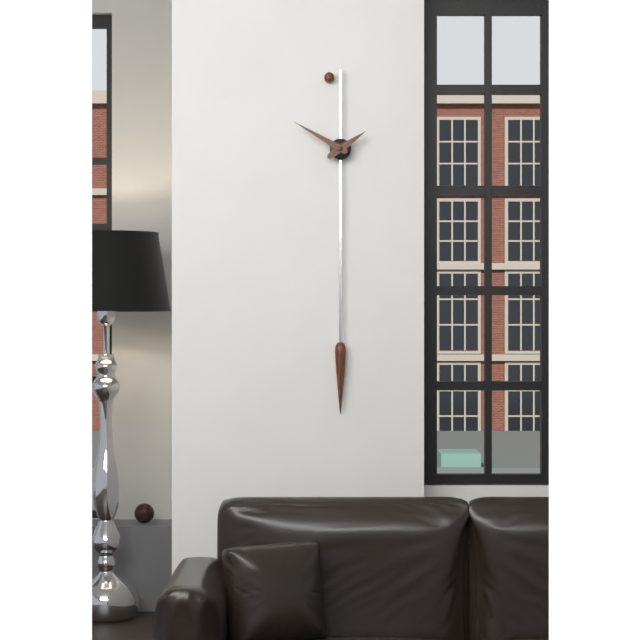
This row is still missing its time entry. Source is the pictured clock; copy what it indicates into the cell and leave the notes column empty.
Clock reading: 1:50
